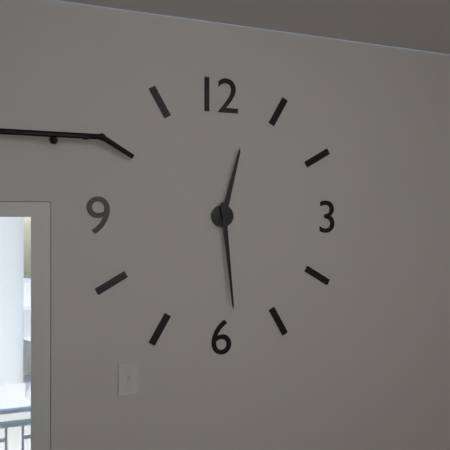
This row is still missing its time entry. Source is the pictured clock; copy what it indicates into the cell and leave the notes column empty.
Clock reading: 12:29
